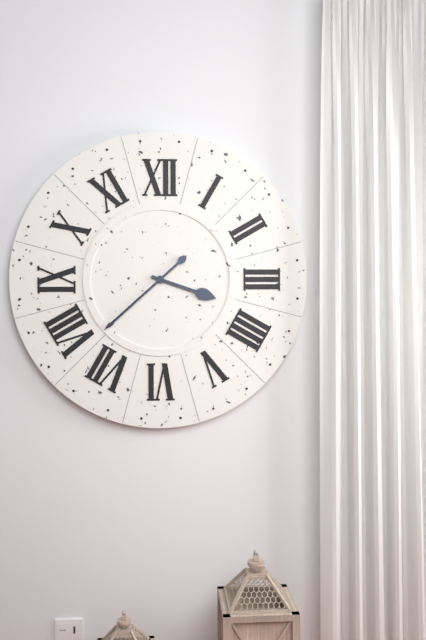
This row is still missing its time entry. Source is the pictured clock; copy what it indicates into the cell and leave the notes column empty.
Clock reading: 3:38
